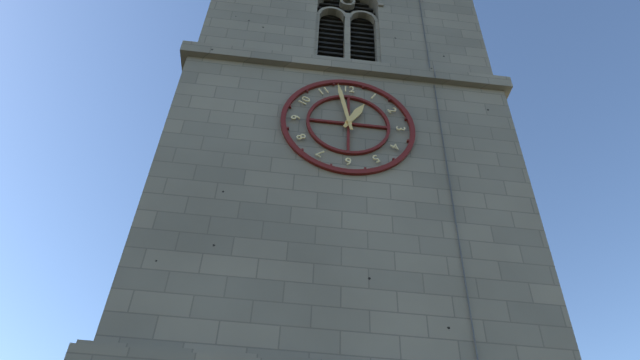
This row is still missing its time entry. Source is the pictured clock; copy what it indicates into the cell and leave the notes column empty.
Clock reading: 12:58
